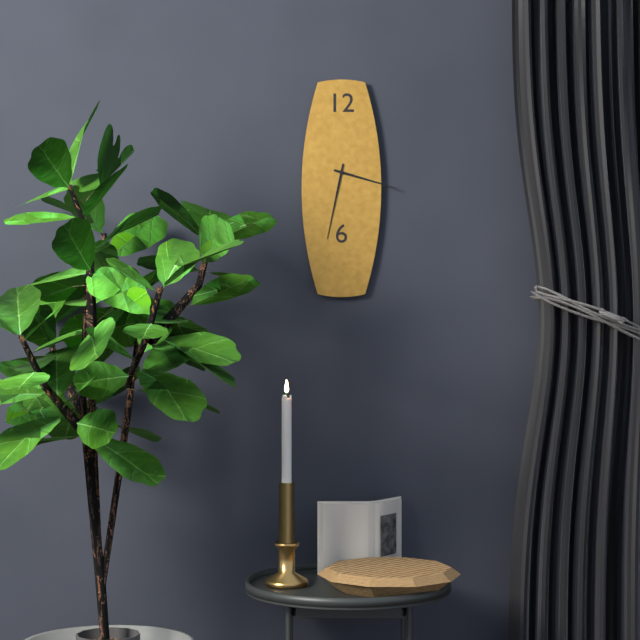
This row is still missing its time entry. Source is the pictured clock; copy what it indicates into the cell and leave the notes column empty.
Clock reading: 3:32
